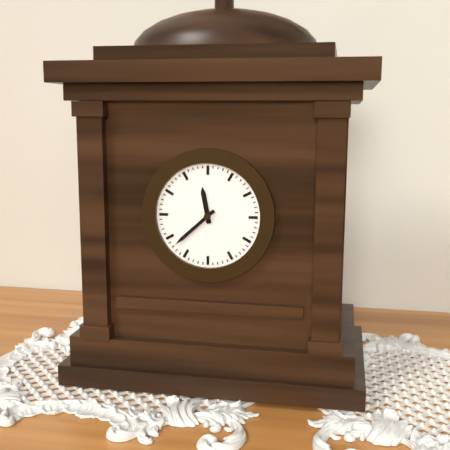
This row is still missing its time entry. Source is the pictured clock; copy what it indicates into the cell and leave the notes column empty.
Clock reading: 11:38
